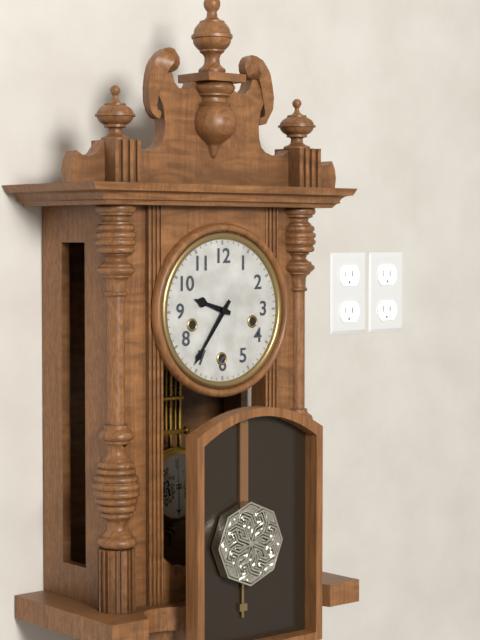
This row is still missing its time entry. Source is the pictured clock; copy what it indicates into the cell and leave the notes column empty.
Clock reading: 9:36
